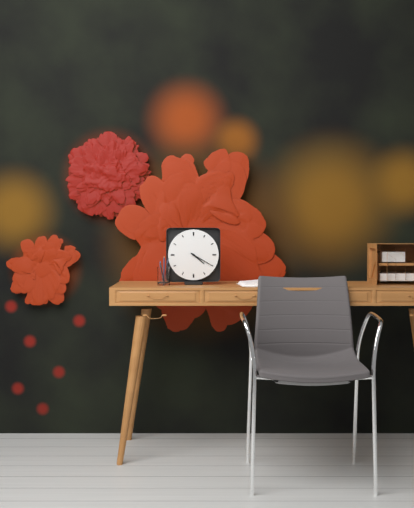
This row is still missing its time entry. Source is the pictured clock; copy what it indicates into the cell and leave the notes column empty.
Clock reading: 4:20
